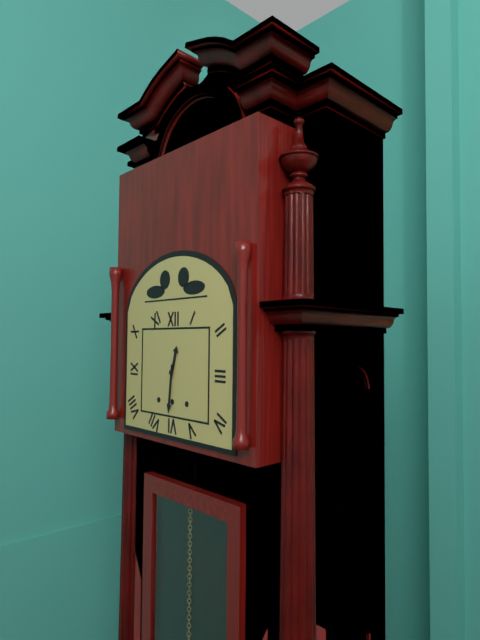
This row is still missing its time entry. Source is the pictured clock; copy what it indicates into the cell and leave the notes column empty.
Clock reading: 12:31
